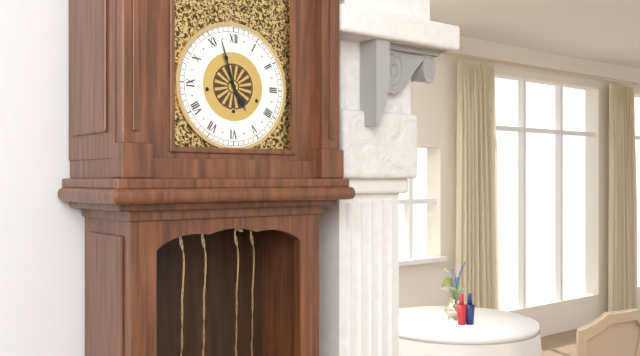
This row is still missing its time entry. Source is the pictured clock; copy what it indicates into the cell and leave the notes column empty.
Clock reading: 4:57
